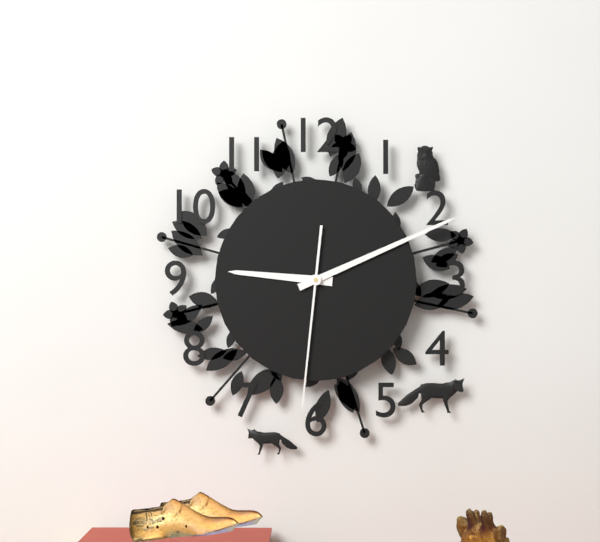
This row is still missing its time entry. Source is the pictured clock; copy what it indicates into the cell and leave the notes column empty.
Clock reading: 9:11:31
